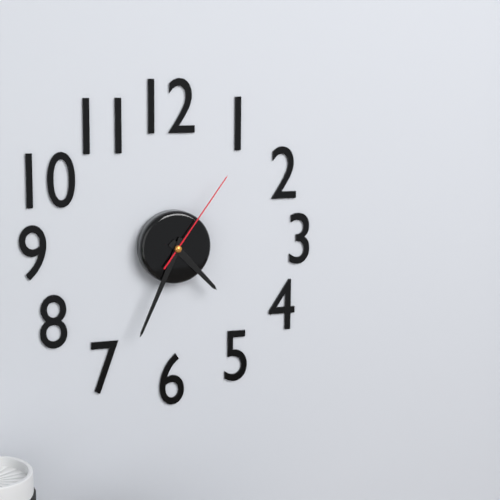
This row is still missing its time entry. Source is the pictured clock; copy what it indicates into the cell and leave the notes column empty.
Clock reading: 4:34:06
